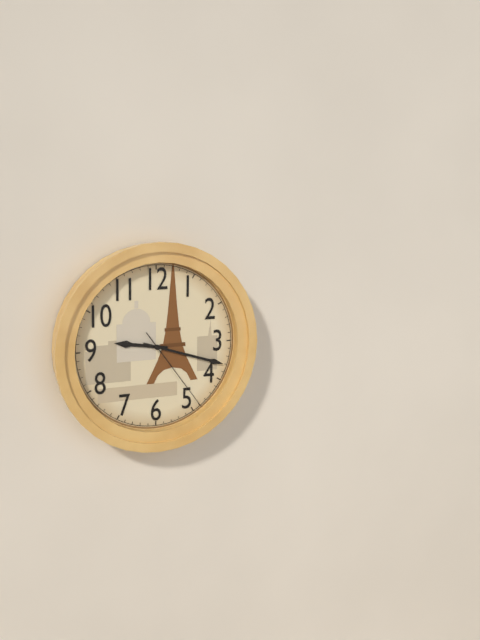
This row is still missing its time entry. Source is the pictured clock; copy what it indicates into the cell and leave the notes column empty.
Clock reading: 9:18:24
